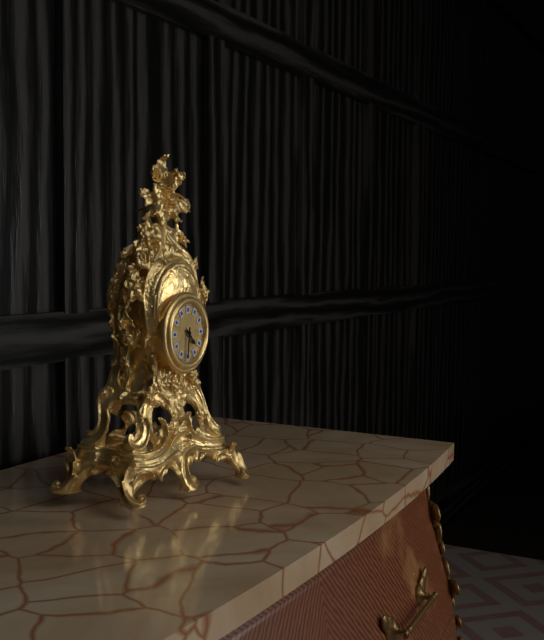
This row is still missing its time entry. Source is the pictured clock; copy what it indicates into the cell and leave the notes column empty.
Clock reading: 4:31
